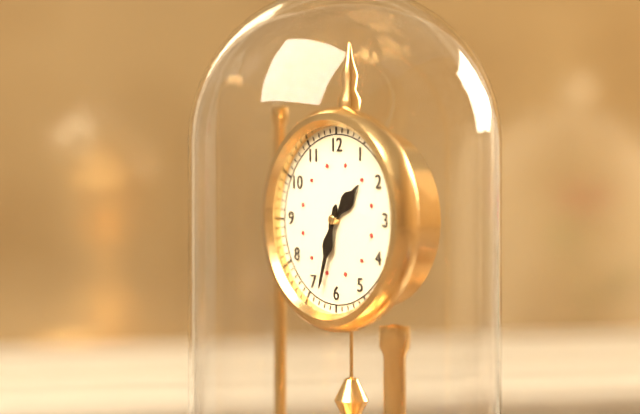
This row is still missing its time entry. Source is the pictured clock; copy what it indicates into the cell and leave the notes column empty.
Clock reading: 1:33
